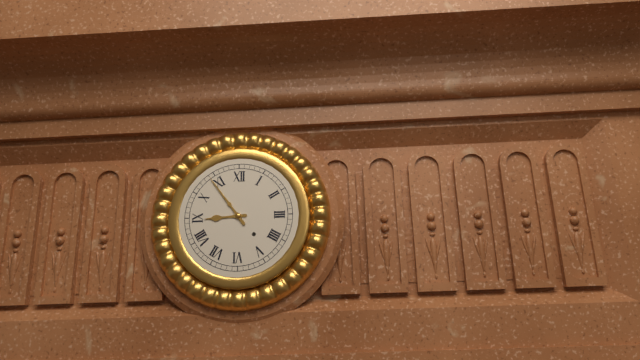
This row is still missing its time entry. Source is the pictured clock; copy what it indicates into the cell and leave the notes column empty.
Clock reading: 8:54
